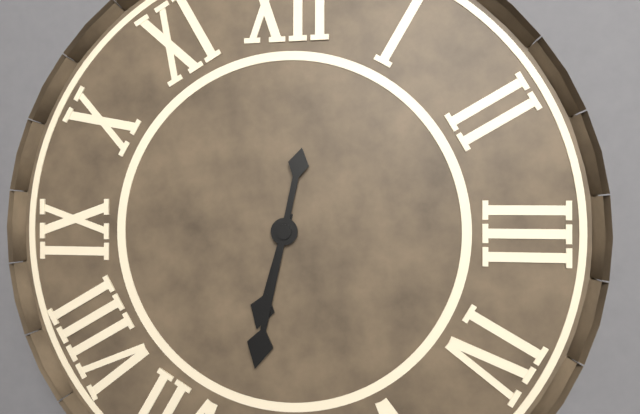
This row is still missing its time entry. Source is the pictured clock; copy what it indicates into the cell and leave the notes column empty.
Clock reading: 6:32
